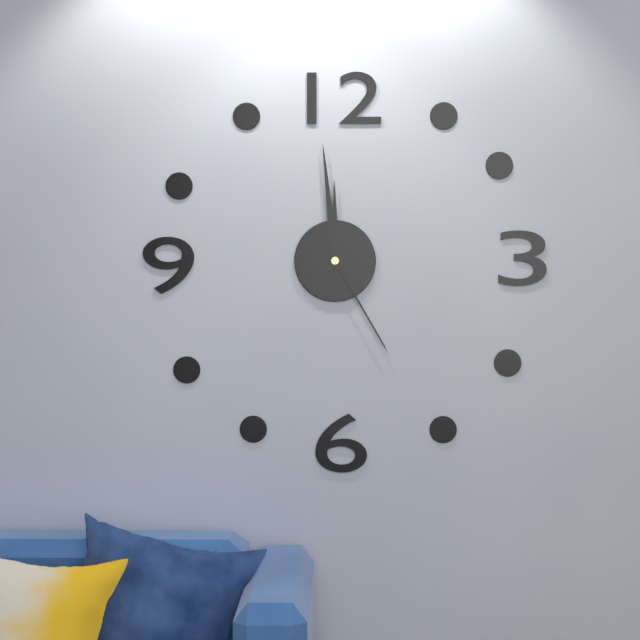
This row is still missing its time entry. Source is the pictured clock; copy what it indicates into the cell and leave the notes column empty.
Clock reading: 11:59:25
